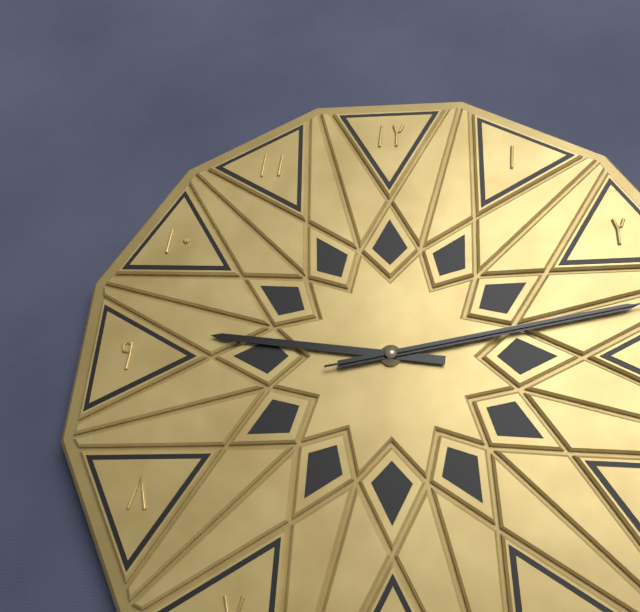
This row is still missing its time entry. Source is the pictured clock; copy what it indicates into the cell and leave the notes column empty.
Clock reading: 9:13
